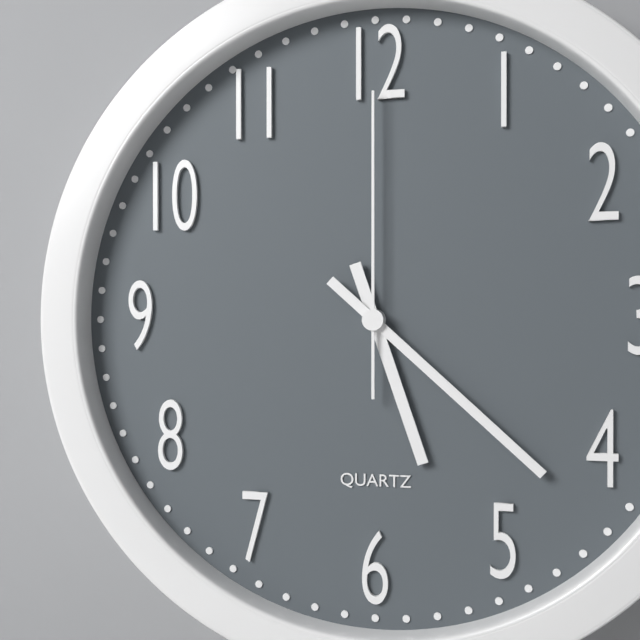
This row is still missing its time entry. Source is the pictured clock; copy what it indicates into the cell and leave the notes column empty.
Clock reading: 5:22:00
